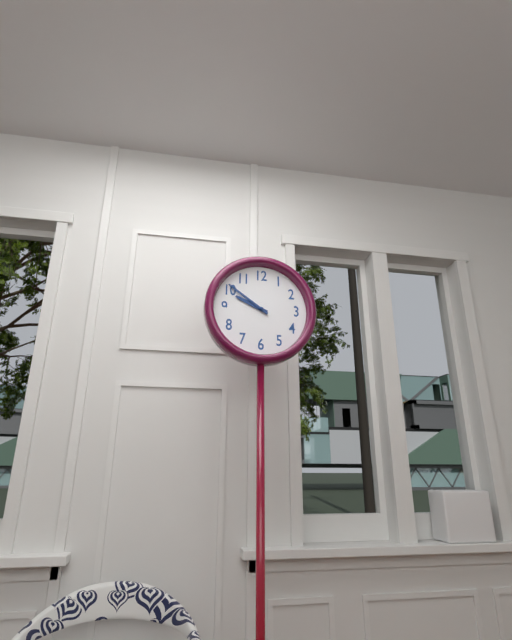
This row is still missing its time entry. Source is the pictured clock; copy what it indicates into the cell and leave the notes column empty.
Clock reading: 9:51
